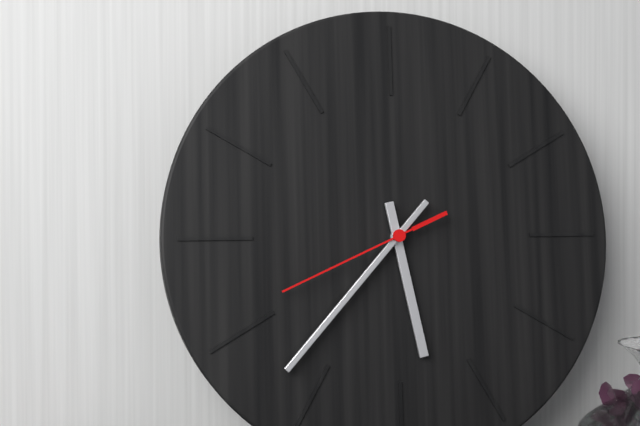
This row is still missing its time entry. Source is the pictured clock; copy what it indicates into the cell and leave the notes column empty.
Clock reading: 5:37:41
